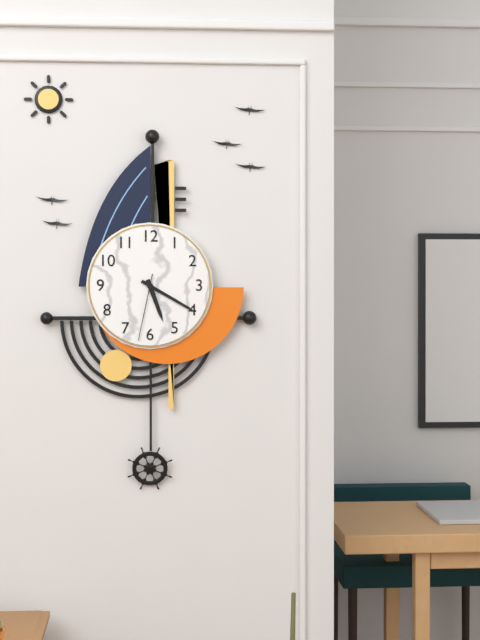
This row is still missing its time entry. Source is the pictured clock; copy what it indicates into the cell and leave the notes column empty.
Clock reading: 5:20:32
